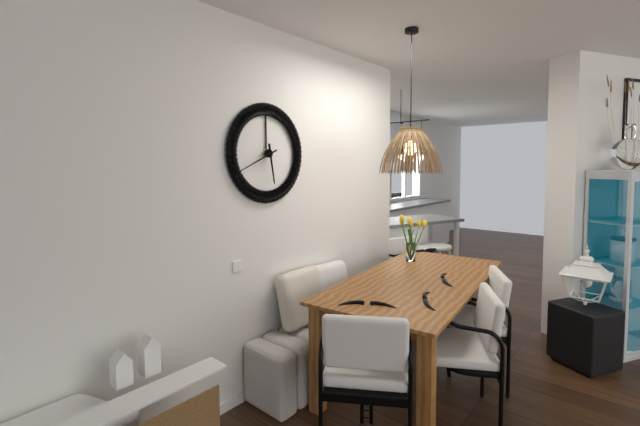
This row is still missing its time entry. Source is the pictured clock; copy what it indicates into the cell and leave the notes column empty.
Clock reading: 5:41
